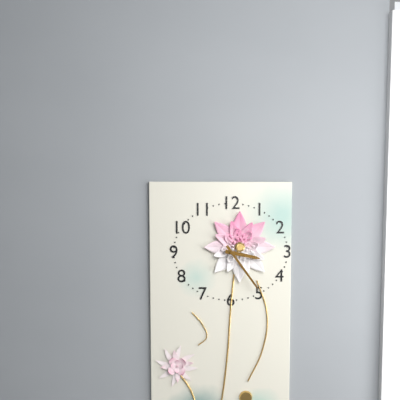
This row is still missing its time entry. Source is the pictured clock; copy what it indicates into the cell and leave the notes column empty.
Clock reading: 3:24
